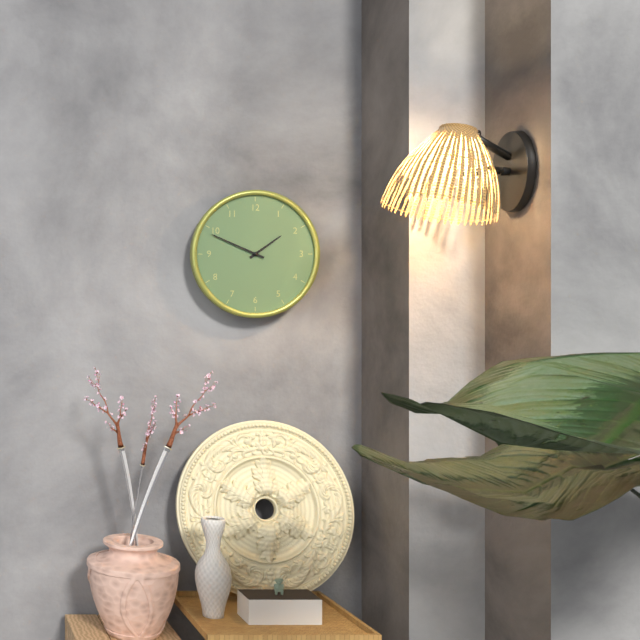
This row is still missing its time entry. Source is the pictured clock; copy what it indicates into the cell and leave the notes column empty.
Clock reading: 1:49
